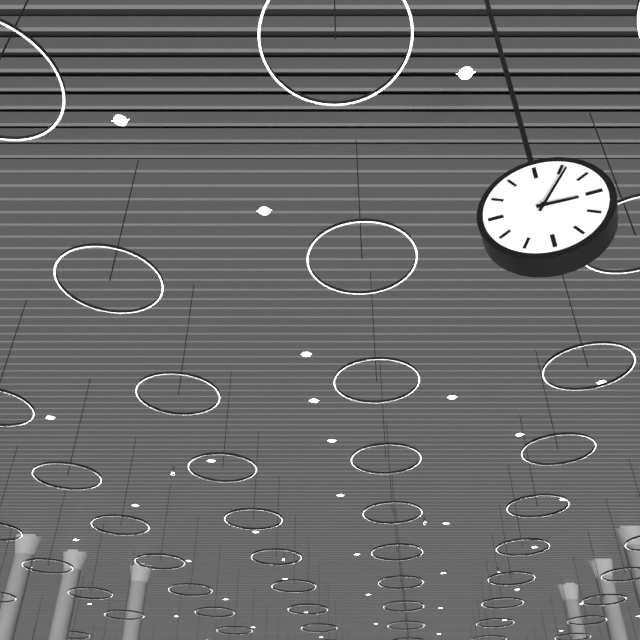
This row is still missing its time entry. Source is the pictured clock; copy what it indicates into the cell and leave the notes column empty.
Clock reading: 3:06
